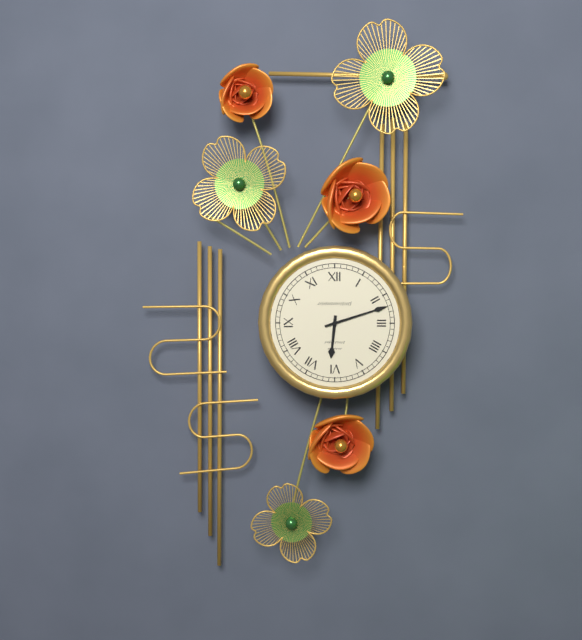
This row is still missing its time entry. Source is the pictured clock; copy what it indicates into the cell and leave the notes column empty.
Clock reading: 6:12
